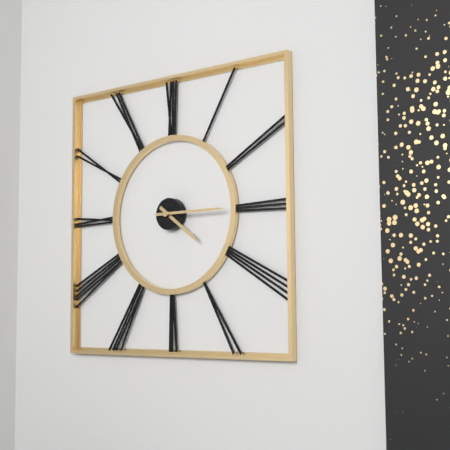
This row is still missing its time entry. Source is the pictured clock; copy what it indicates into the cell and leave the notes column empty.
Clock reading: 4:15
